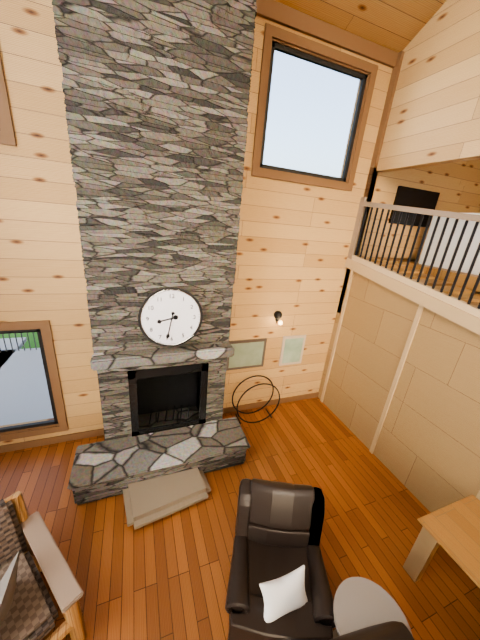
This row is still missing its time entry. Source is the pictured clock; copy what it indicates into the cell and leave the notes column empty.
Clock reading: 8:32
